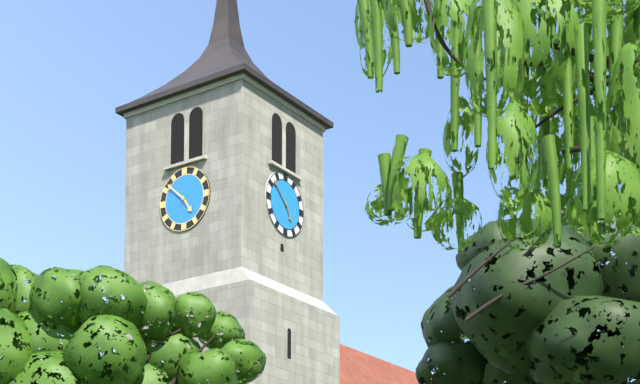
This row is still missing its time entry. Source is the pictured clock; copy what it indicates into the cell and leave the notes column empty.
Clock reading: 4:52
